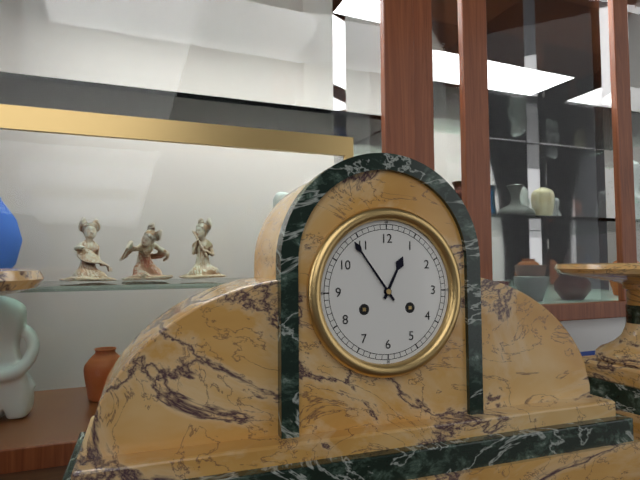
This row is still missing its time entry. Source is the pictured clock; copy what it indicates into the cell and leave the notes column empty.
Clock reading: 12:54
